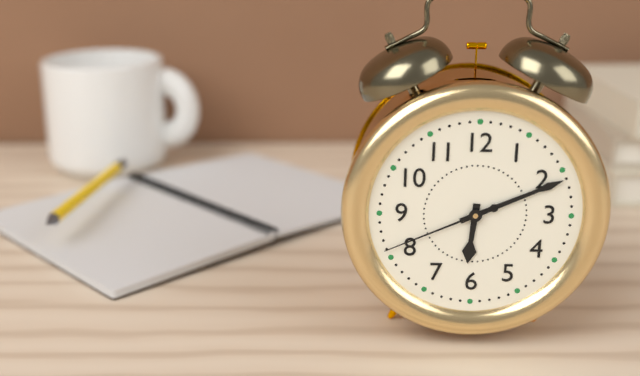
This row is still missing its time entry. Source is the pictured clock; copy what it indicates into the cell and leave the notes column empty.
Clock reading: 6:11:41
